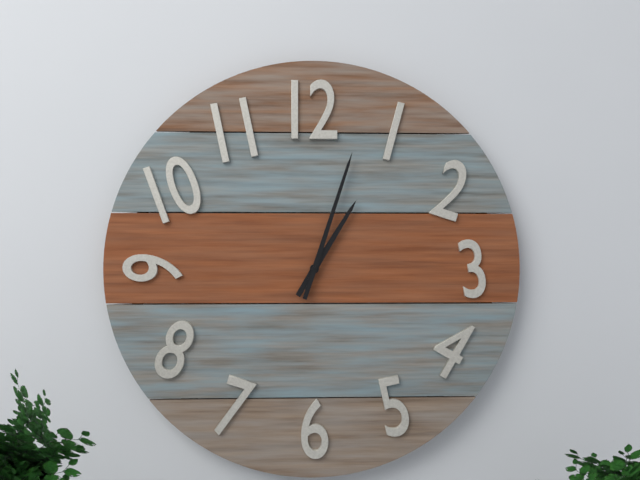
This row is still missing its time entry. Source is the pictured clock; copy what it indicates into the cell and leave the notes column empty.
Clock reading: 1:03
